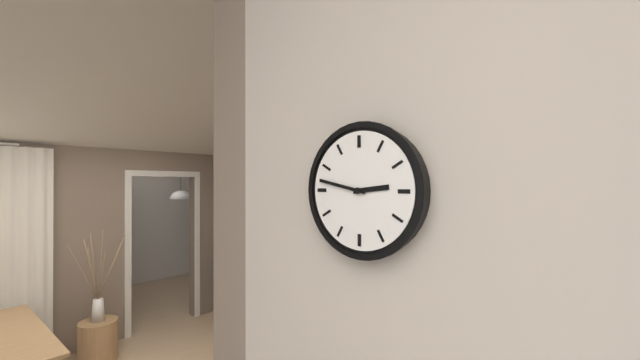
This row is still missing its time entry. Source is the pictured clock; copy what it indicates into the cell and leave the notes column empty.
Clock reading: 2:47
